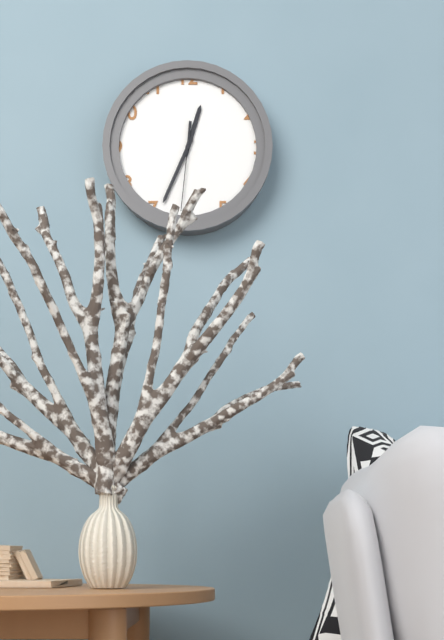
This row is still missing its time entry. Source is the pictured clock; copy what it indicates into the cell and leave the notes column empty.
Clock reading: 12:34:31
